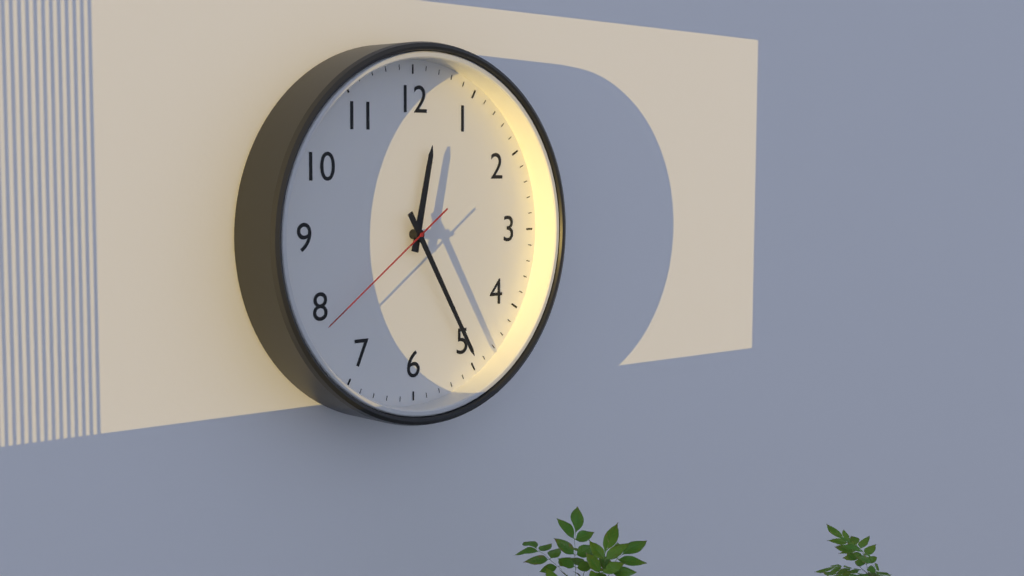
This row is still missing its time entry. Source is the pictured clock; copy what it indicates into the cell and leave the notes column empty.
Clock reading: 12:25:39
